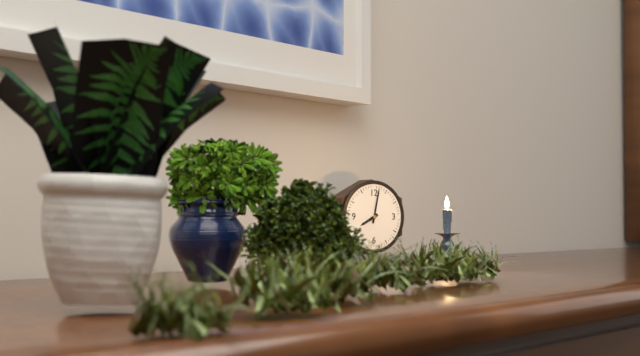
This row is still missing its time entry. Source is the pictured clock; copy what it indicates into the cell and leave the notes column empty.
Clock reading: 8:02
